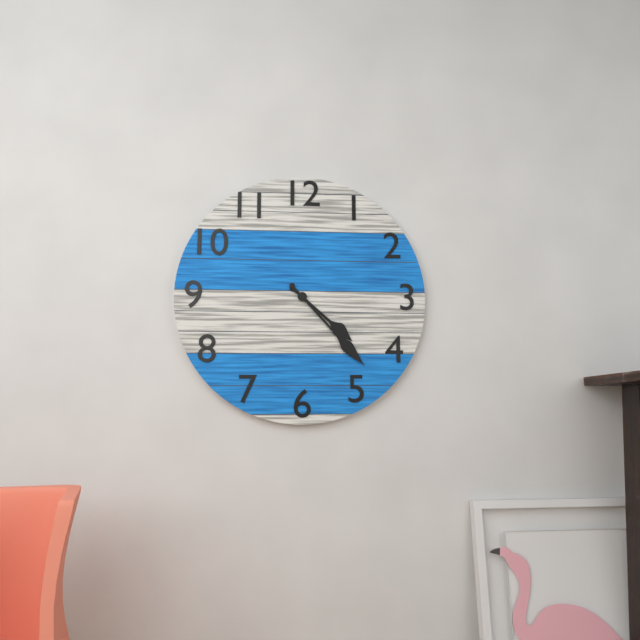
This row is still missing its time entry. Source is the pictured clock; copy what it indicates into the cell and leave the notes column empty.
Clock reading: 4:23
